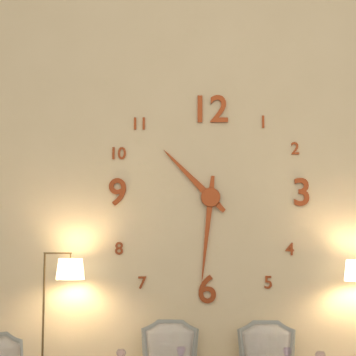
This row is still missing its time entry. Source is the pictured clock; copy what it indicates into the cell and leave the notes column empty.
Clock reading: 10:31
